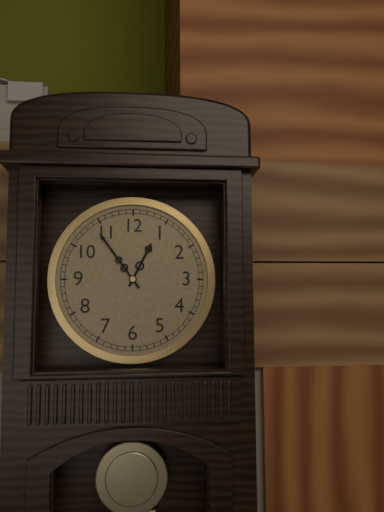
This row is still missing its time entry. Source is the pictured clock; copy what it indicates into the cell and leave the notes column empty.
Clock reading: 12:54
